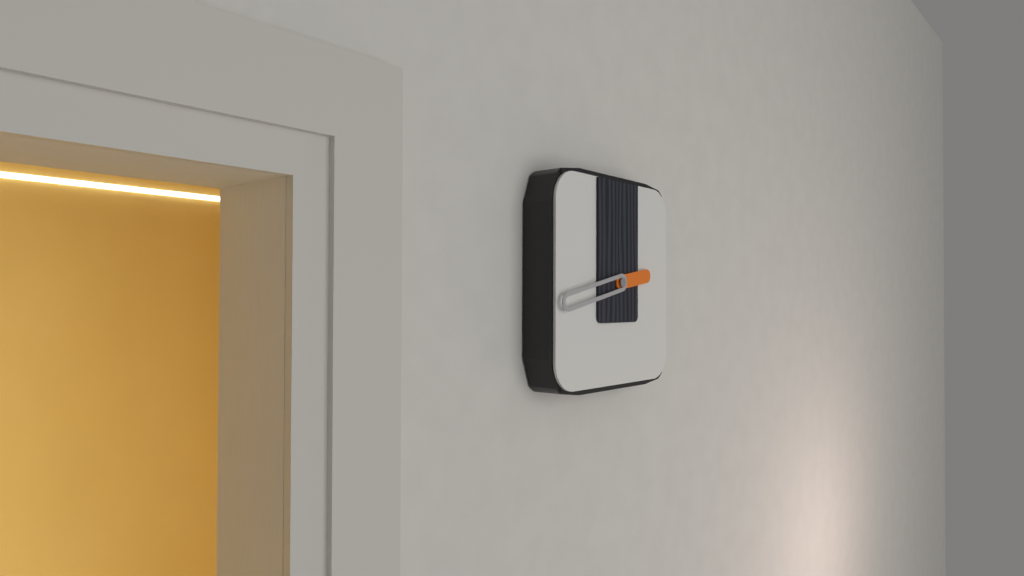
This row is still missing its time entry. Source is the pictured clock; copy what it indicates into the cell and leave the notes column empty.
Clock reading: 2:43
